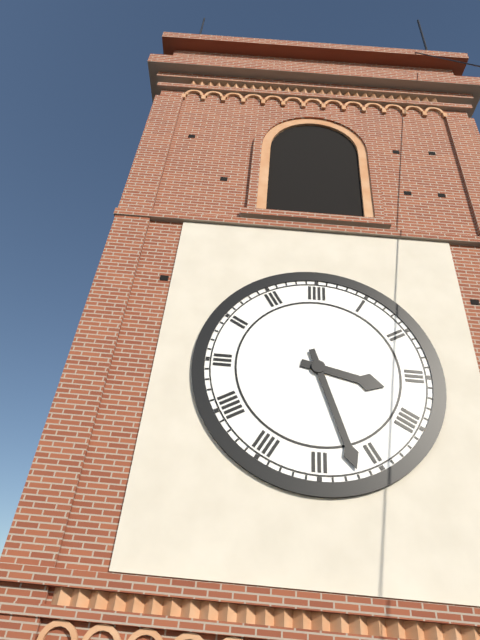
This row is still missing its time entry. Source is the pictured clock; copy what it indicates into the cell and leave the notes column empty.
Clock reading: 3:27
